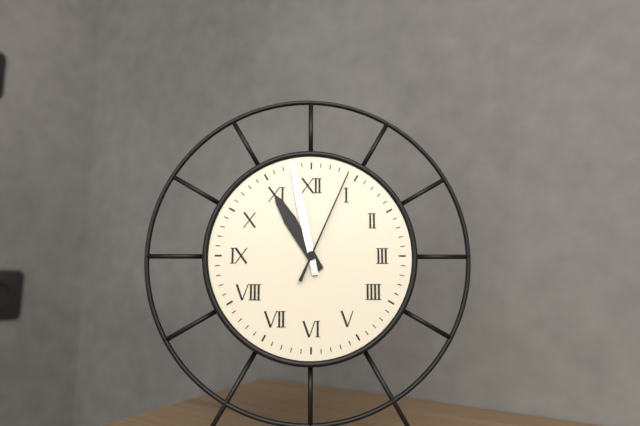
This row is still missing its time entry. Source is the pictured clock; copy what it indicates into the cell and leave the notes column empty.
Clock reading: 10:58:04
